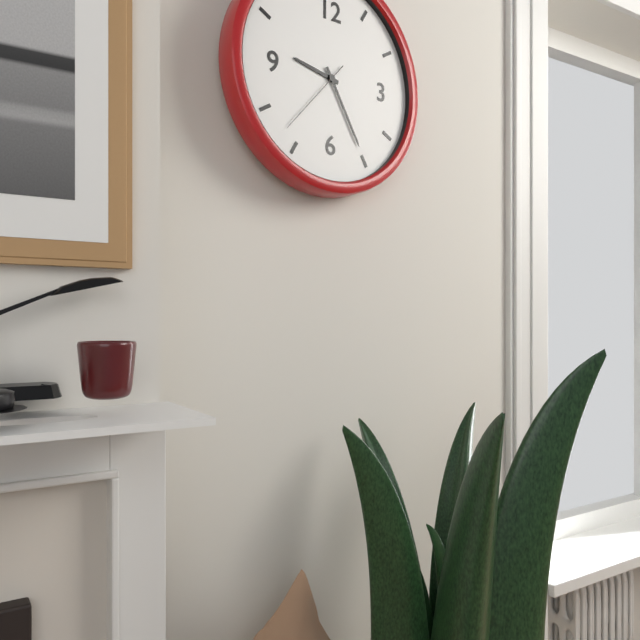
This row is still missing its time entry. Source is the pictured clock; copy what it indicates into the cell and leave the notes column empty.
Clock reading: 9:25:37
